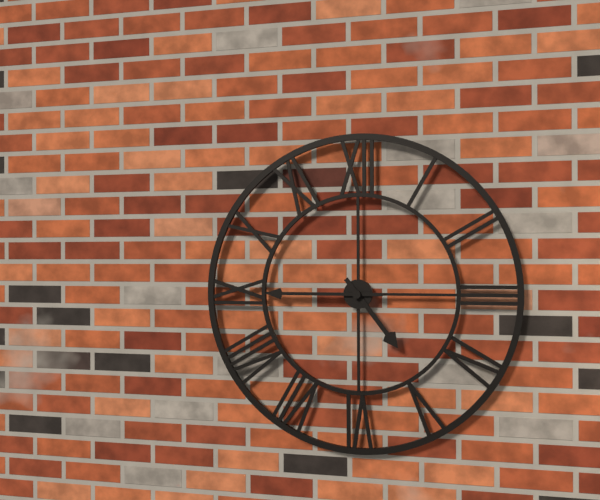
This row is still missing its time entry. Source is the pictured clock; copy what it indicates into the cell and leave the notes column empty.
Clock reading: 4:45
